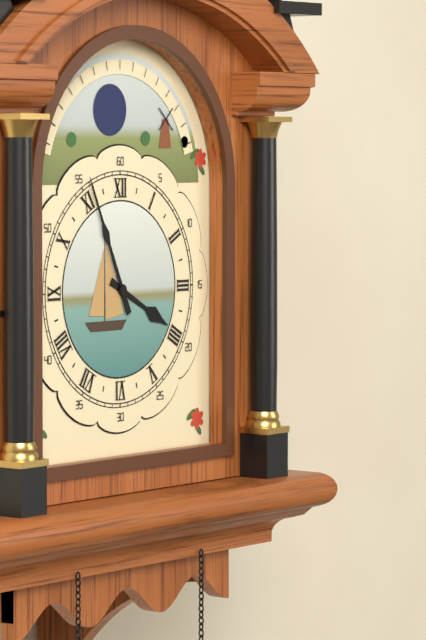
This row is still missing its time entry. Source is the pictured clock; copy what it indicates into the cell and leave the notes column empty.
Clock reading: 3:56
